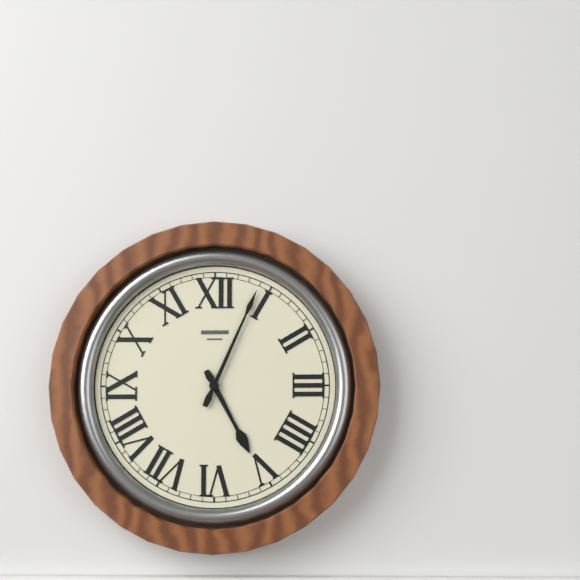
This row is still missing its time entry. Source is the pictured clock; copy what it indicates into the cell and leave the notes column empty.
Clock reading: 5:04
